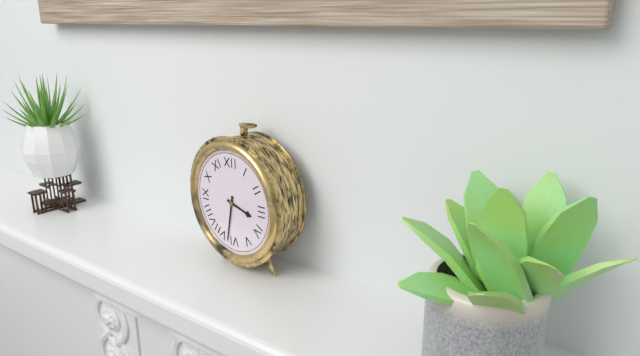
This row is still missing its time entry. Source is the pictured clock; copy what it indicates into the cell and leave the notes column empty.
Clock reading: 3:32
